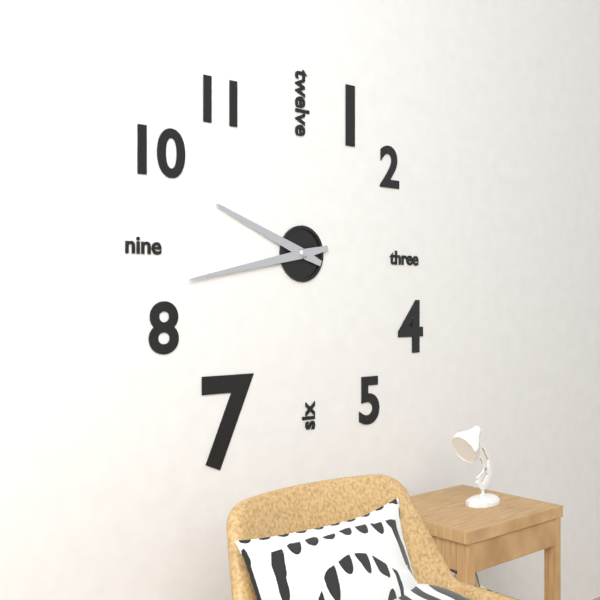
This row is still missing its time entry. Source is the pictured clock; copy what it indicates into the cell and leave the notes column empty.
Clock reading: 9:43
